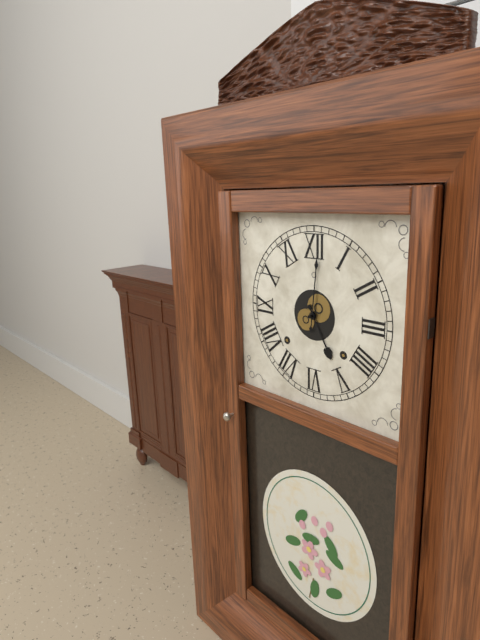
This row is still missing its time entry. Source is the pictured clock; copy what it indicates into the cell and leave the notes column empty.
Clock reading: 5:01
